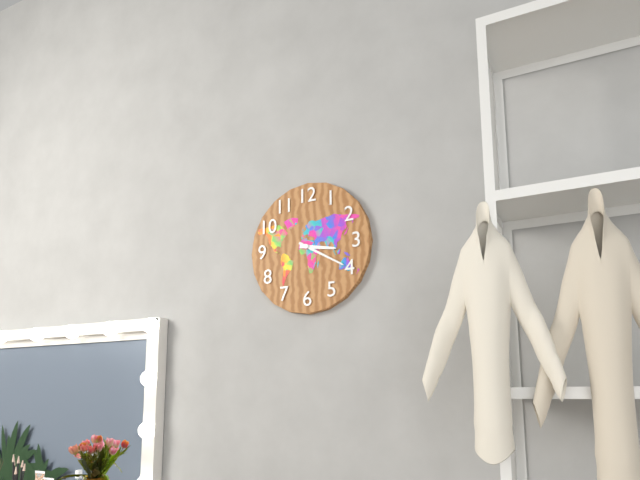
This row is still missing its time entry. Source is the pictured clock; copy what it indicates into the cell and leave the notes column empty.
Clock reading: 3:20
